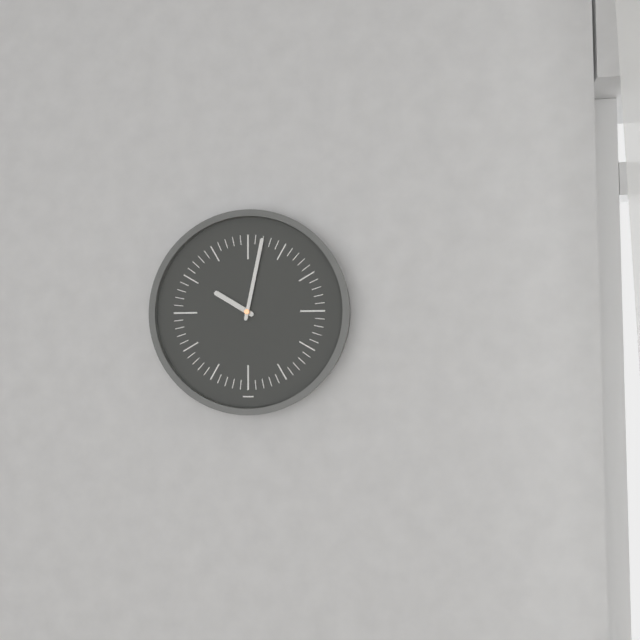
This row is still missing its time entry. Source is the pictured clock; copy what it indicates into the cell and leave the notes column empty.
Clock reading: 10:02
